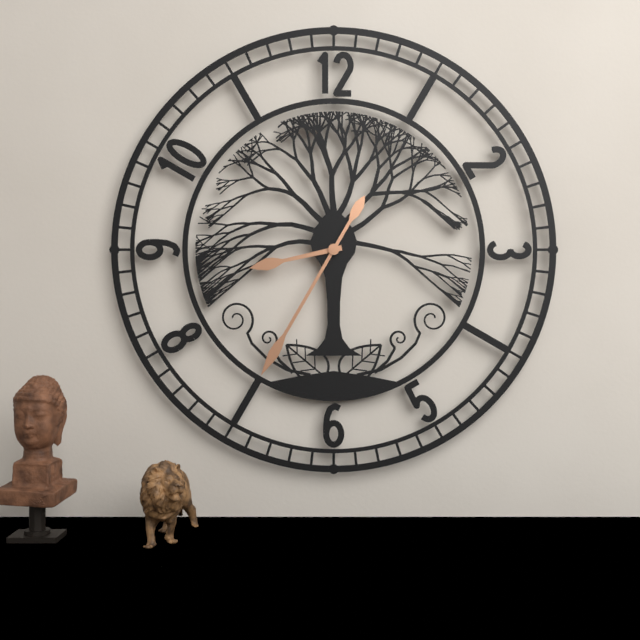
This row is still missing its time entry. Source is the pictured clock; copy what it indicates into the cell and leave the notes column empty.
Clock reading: 8:35
